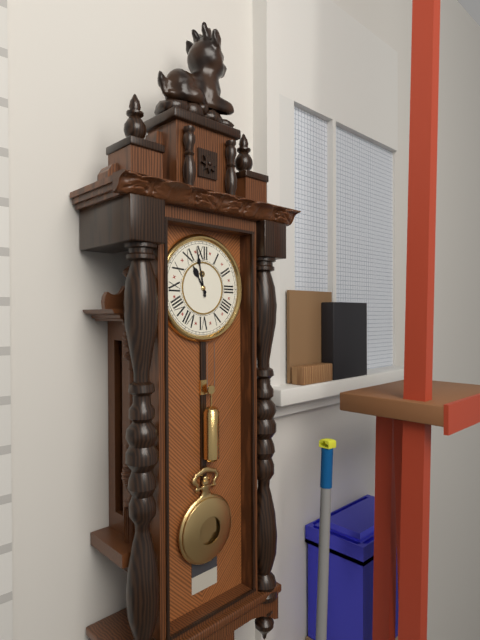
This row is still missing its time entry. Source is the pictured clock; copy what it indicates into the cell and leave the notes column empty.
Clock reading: 10:58
